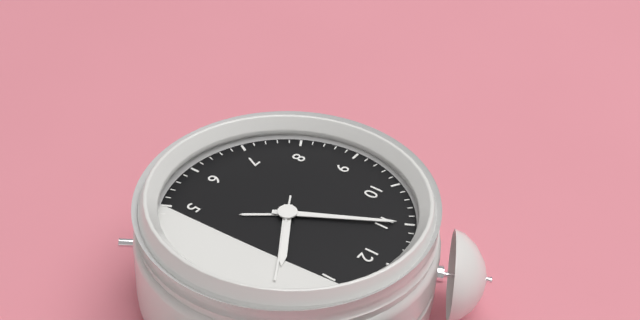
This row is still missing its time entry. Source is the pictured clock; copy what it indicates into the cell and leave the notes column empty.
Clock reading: 1:55:10
